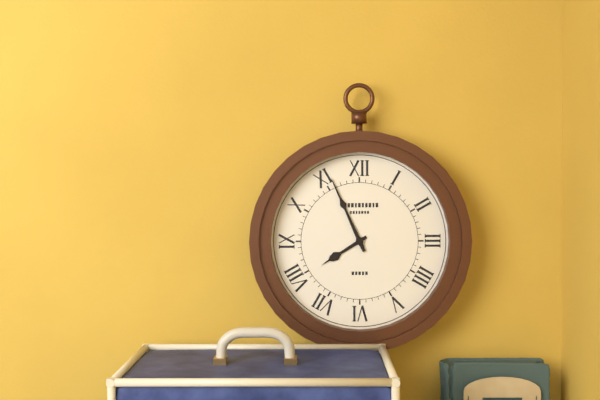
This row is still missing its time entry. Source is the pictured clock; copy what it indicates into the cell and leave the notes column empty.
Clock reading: 7:56
